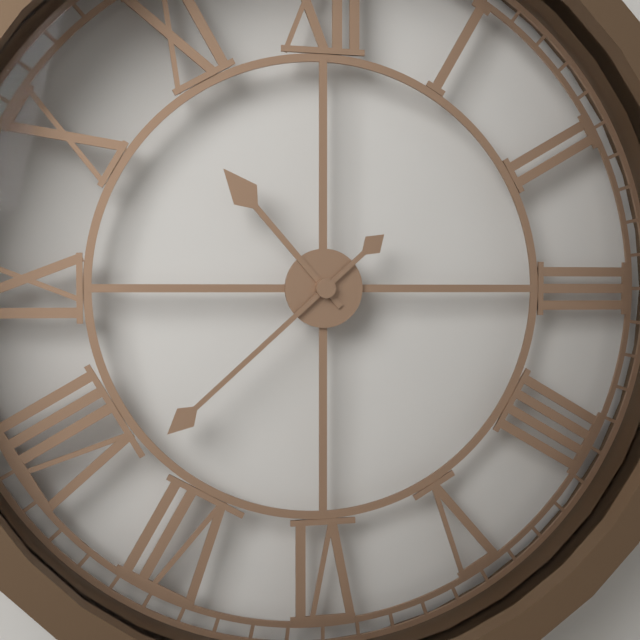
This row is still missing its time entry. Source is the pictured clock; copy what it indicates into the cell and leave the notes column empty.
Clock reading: 10:38
